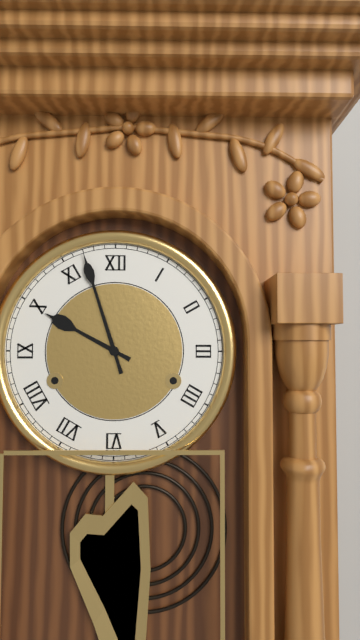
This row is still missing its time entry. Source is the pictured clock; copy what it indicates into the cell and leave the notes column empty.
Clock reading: 9:57
